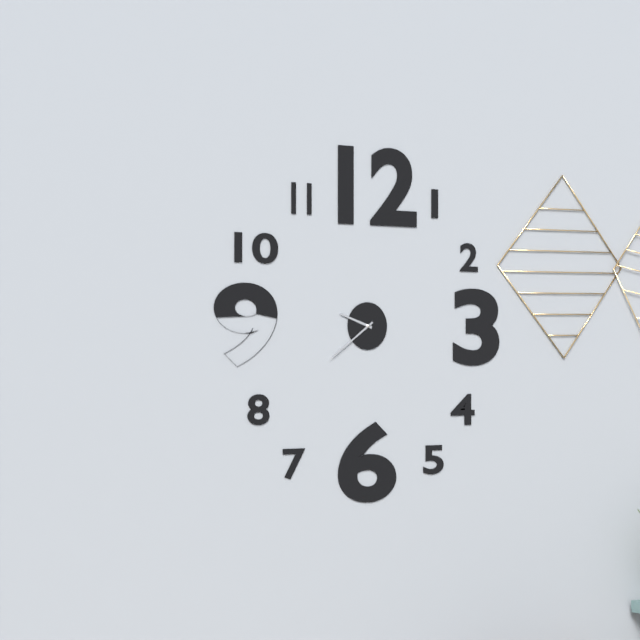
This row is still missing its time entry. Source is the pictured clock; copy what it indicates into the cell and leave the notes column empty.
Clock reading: 9:39
